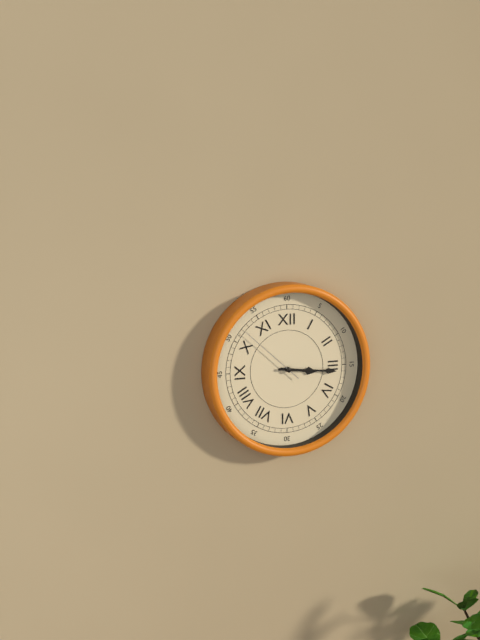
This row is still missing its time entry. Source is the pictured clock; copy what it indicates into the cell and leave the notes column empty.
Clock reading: 3:16:52
